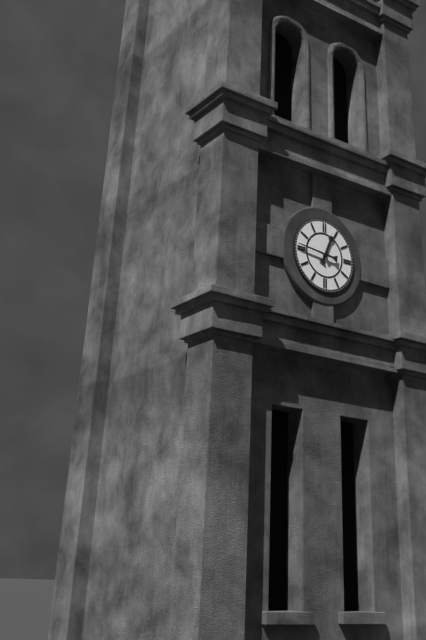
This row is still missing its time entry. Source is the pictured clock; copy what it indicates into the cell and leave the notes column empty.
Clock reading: 12:46
